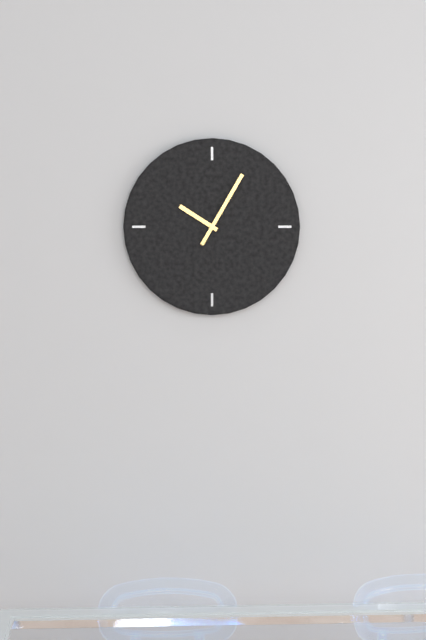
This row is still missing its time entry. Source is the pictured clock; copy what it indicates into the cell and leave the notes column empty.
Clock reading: 10:05
